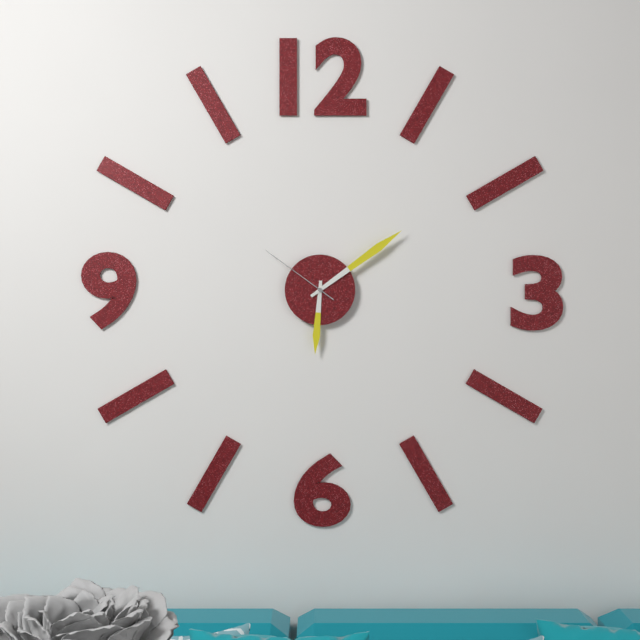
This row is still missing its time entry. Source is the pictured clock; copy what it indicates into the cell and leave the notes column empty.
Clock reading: 6:09:51
